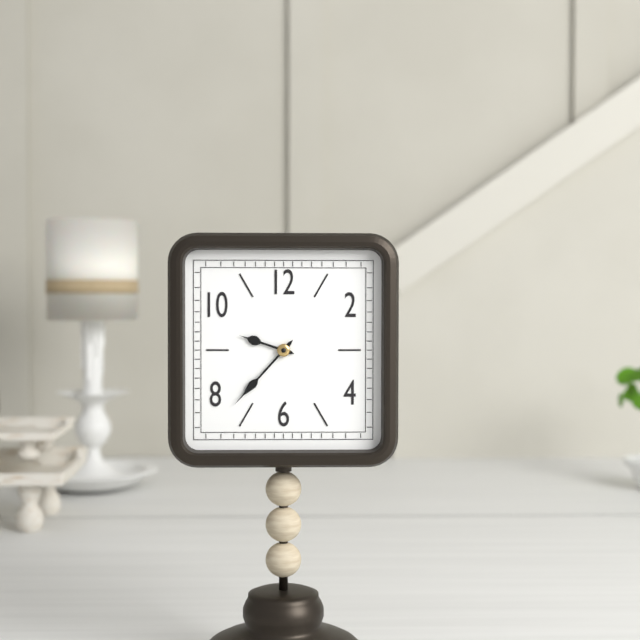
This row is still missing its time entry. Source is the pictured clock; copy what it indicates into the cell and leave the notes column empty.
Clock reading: 9:37
